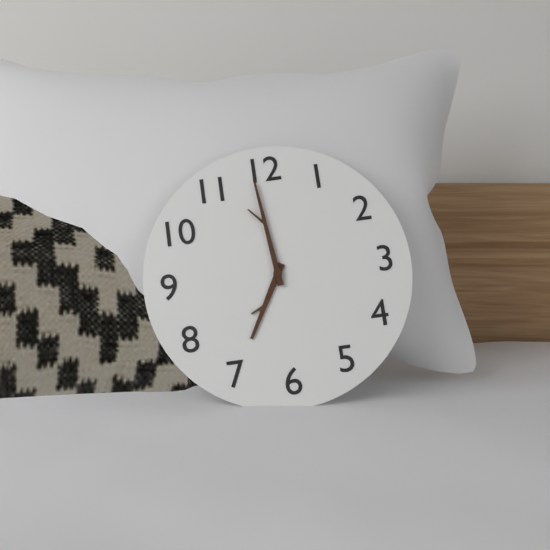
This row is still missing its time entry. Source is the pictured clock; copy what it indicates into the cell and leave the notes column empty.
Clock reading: 6:59
